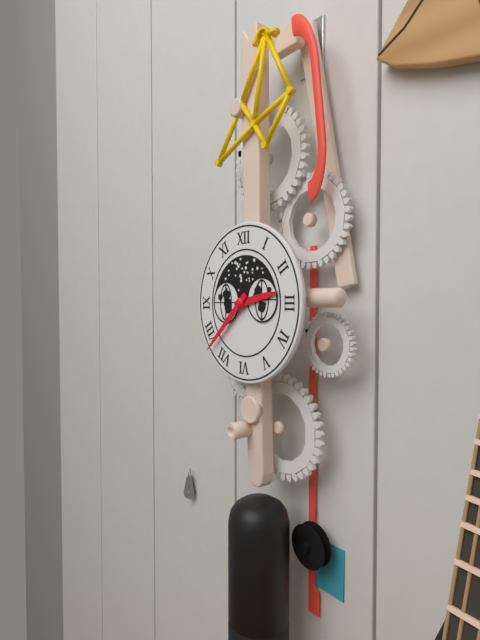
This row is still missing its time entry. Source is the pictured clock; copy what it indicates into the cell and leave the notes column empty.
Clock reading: 2:38
